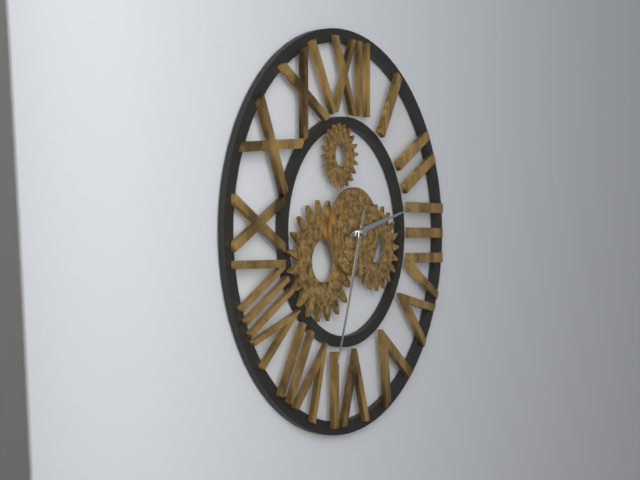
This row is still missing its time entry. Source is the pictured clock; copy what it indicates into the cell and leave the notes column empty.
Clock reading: 2:33
